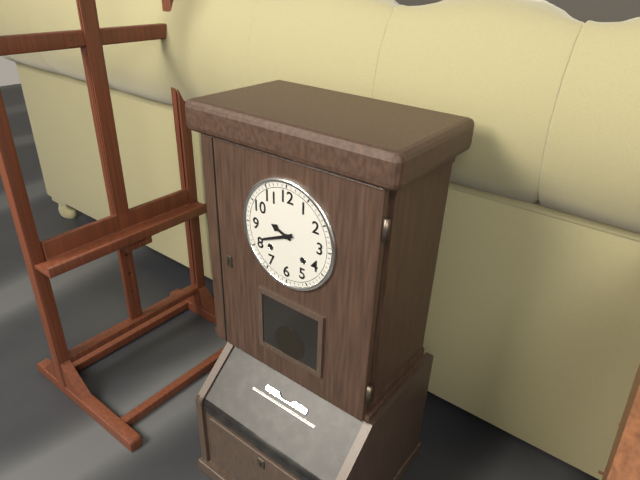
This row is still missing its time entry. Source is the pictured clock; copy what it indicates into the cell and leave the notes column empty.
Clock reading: 9:41
